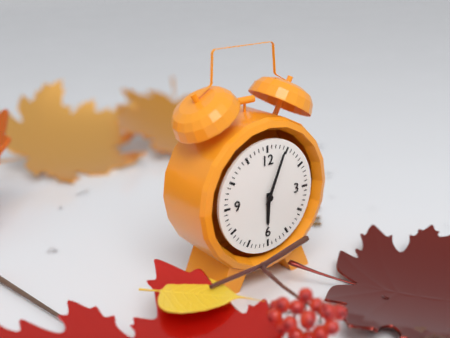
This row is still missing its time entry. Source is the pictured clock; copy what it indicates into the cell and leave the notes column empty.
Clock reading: 6:04
